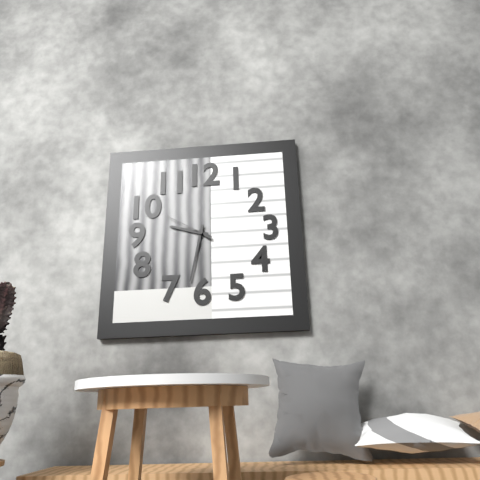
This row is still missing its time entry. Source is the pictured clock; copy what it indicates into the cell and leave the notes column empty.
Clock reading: 9:32:50
